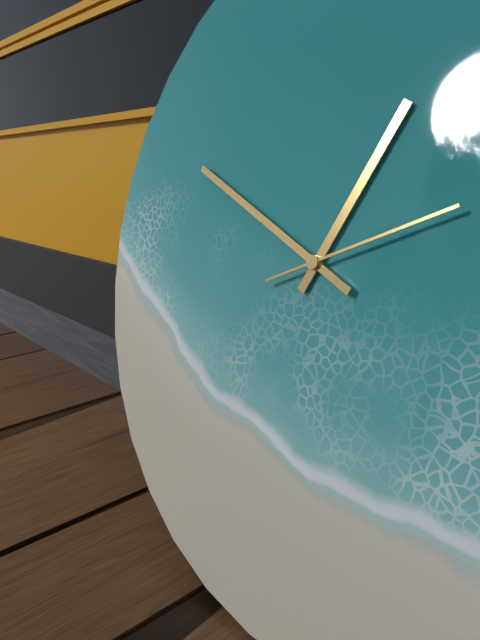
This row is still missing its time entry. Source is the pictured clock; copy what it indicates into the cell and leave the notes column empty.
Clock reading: 12:49:11
